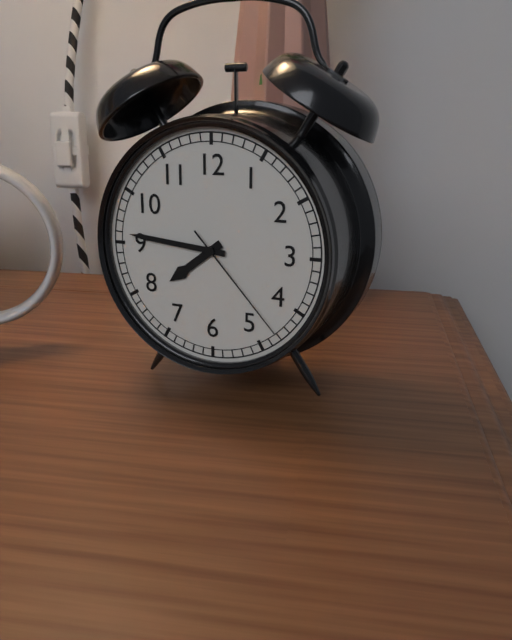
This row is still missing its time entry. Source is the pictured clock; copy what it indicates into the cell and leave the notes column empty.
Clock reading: 7:46:23
